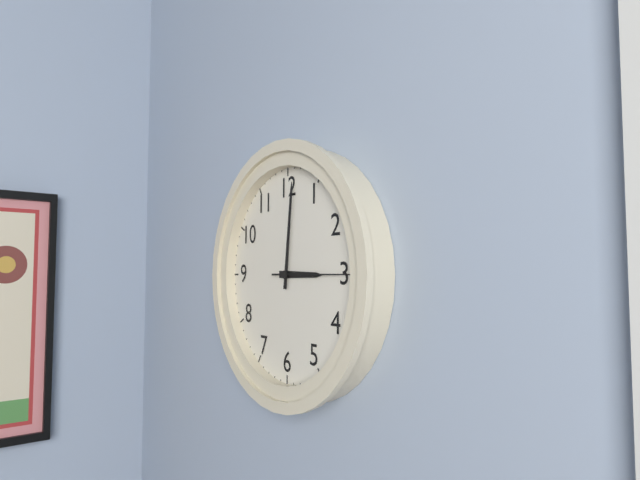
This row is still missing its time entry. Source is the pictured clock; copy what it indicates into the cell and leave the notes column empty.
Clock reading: 3:01:15
